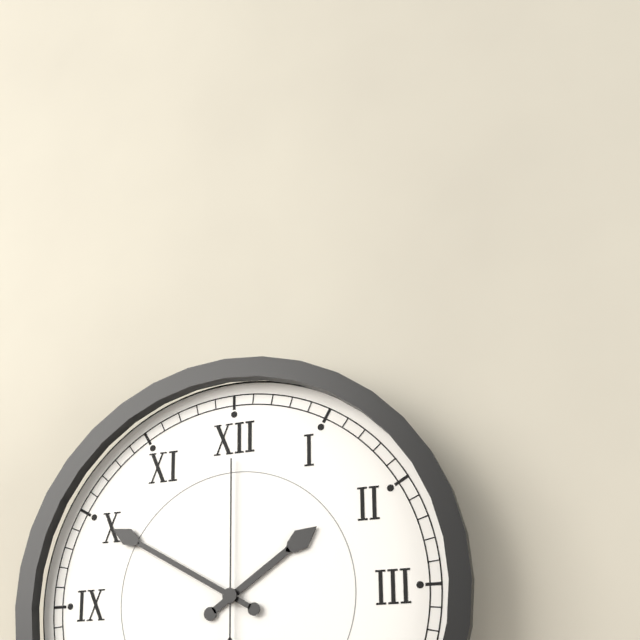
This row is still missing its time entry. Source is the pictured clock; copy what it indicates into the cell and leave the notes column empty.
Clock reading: 1:50:00
